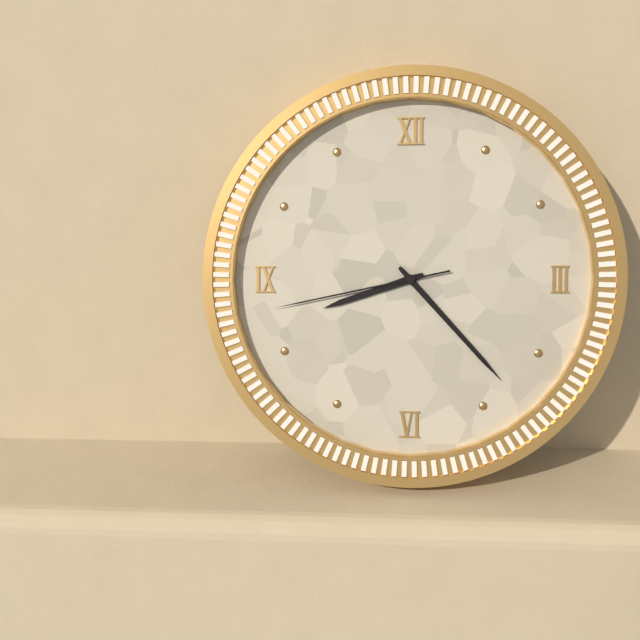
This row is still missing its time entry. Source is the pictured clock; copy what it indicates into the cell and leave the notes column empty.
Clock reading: 8:23:43
